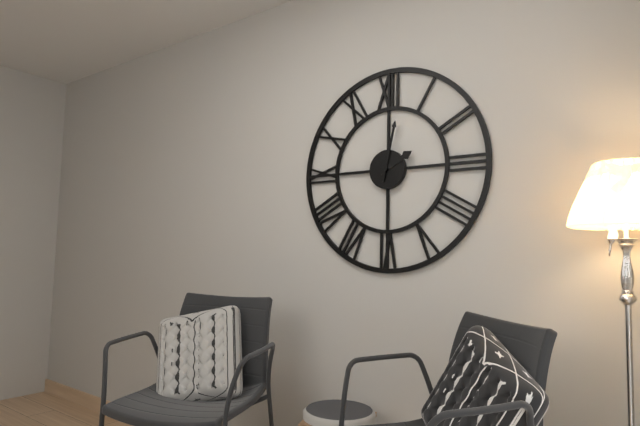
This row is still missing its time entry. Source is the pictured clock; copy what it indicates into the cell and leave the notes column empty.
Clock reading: 2:02
